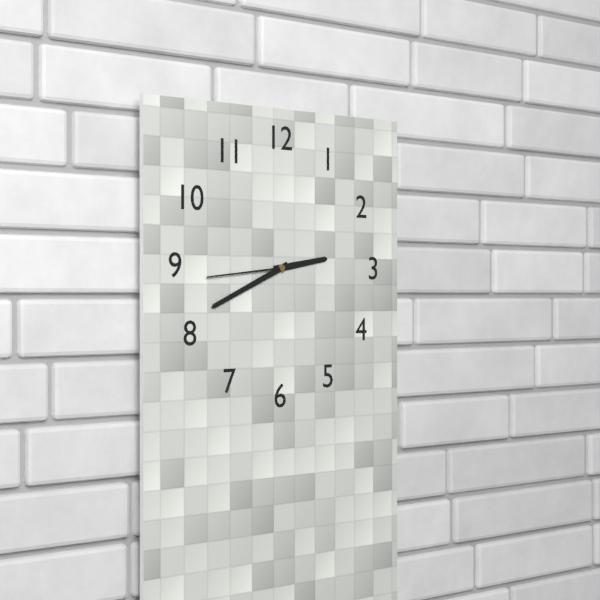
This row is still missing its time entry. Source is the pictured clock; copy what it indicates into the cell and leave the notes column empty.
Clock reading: 2:41:44
